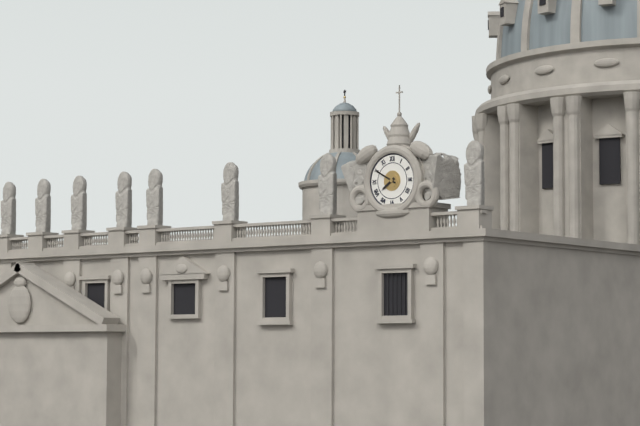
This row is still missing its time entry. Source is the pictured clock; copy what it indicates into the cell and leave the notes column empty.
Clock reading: 7:50
